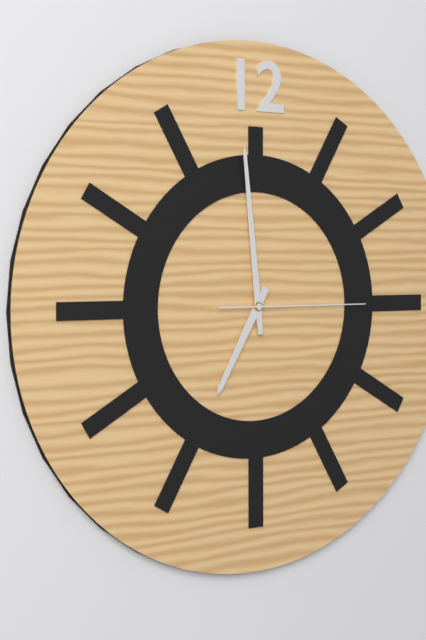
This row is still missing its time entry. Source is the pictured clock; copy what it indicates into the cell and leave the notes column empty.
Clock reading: 6:59:15
